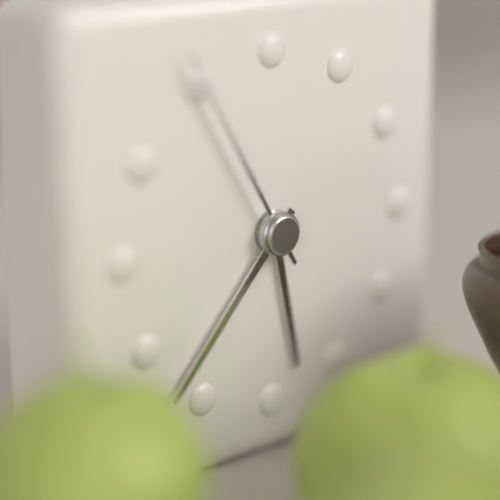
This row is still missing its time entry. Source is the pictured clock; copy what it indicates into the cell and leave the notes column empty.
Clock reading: 5:37:55
